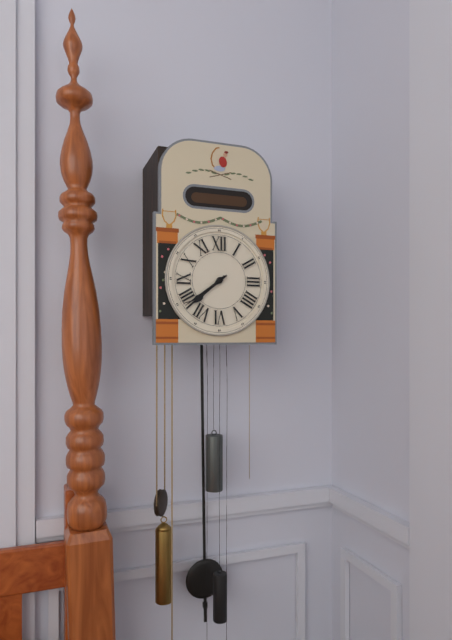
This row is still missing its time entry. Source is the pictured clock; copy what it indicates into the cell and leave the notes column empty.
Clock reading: 7:39
